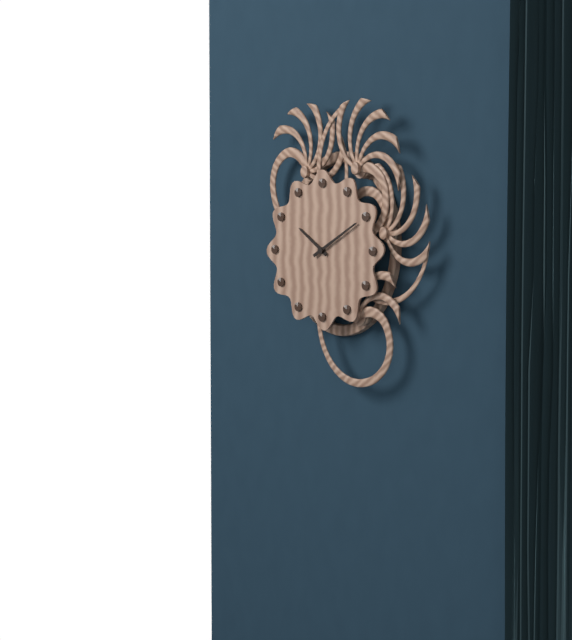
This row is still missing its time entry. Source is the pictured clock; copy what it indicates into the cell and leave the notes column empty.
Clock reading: 10:10
